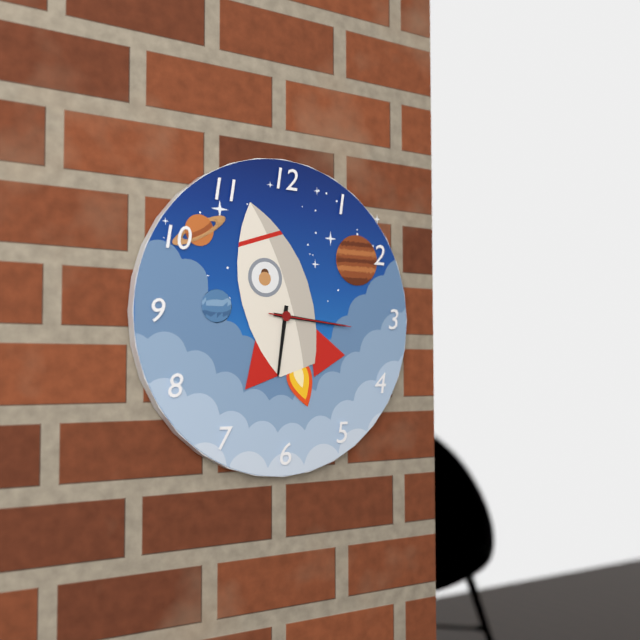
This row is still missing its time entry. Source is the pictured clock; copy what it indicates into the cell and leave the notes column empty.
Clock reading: 6:16:16
